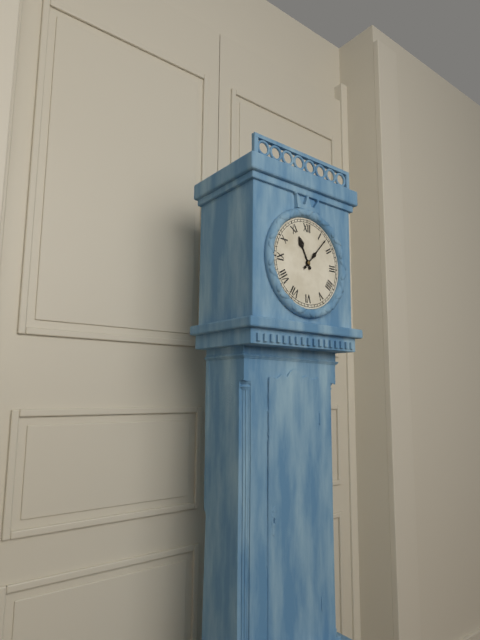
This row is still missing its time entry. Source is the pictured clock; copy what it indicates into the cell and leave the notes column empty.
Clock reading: 11:07
